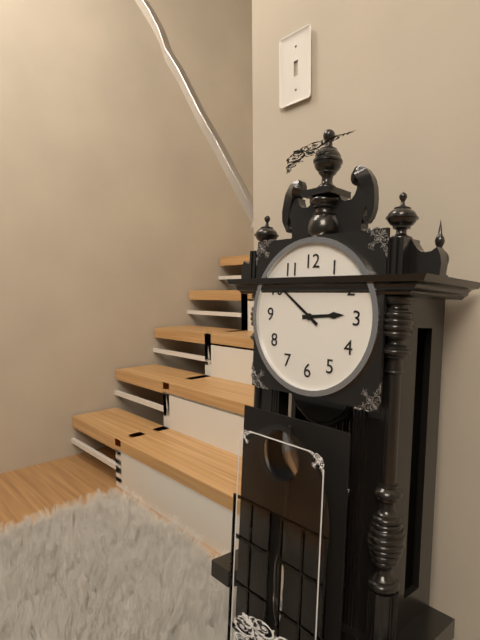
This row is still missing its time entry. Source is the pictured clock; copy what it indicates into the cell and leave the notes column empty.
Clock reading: 2:51
